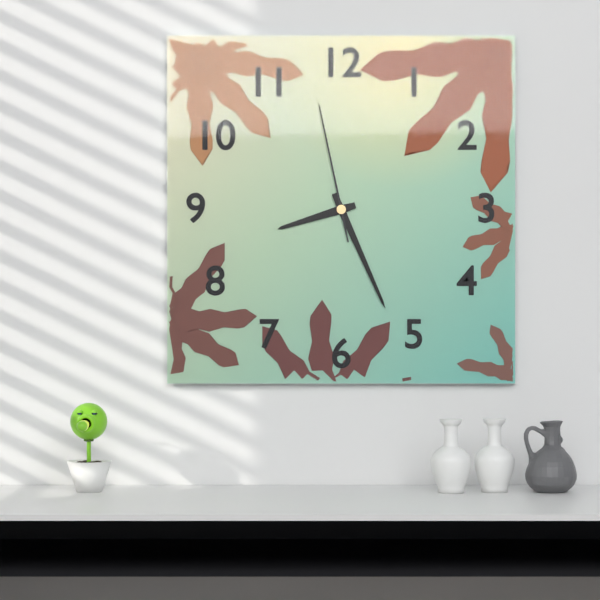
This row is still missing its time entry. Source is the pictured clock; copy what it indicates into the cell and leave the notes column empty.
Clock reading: 8:26:58
